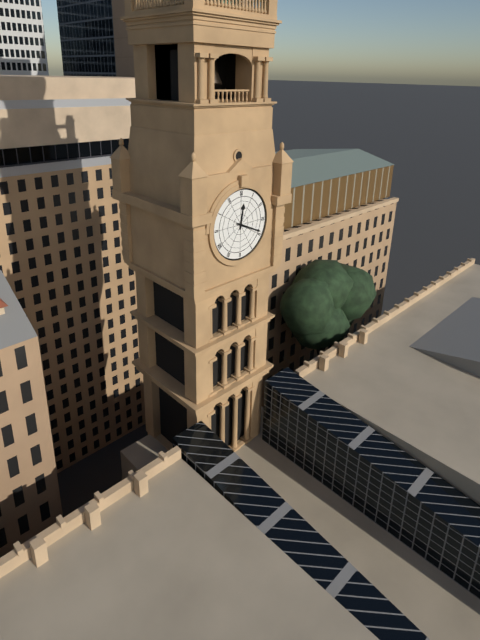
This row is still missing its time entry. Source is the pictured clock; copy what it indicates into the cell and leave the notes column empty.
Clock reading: 12:19
